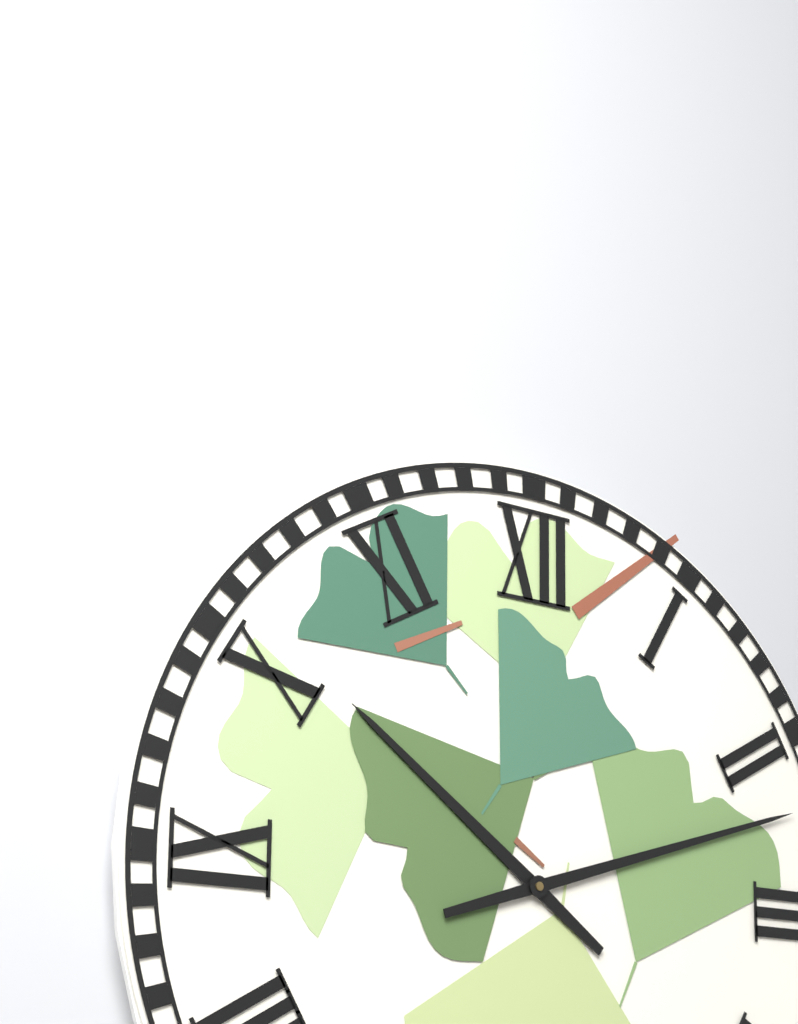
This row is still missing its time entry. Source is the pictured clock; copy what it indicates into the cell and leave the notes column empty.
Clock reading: 10:12
